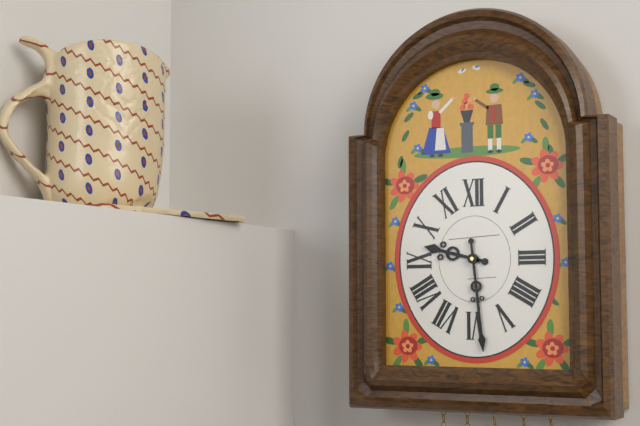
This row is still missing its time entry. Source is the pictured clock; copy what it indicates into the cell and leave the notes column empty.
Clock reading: 9:29
